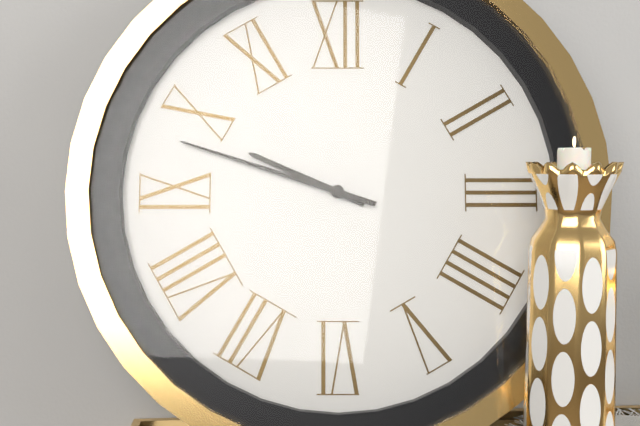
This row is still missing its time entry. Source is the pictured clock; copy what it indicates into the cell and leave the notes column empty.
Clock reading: 9:48
